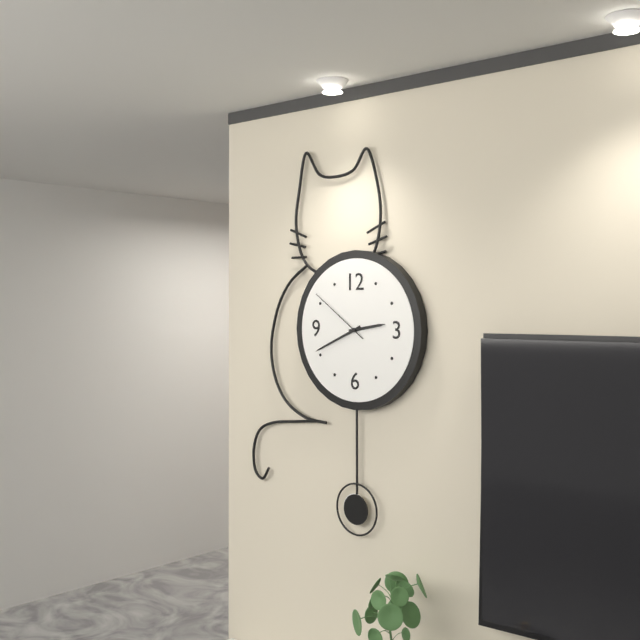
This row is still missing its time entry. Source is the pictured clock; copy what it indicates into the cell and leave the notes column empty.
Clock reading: 2:41:51
